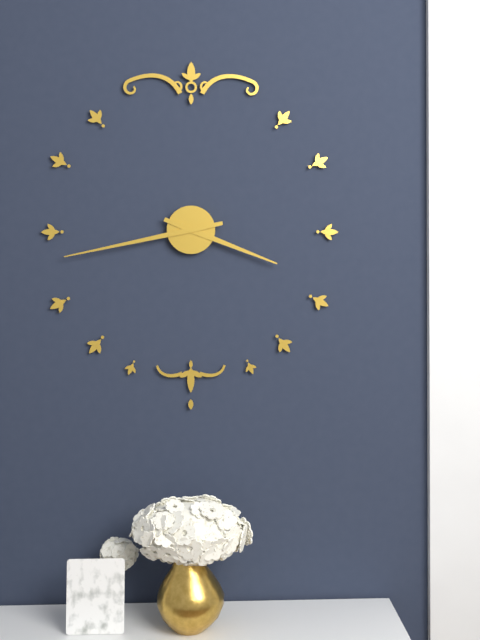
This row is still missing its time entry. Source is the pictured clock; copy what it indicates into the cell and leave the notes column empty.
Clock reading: 3:43
